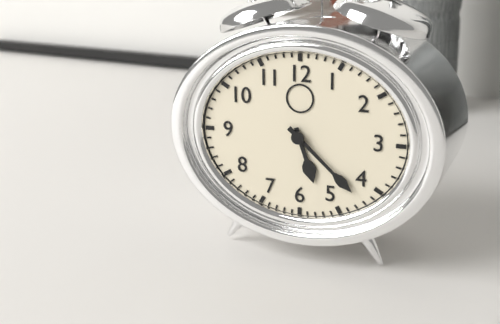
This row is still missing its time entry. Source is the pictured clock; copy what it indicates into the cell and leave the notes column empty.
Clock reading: 5:22
